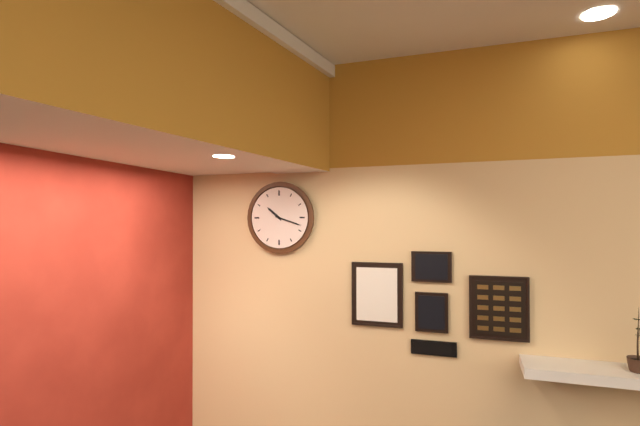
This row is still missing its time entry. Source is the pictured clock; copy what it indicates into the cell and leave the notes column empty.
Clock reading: 10:18
